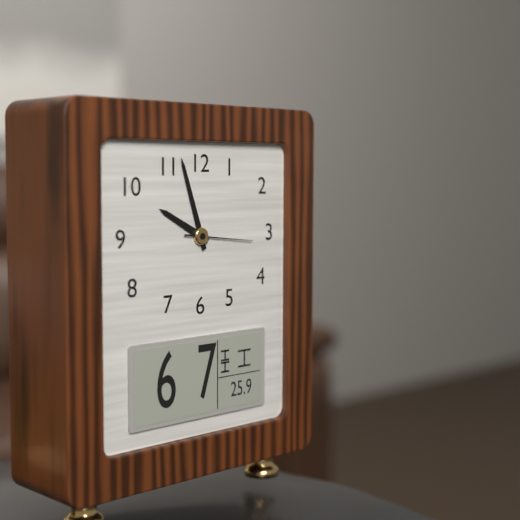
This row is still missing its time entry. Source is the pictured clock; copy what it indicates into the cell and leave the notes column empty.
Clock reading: 9:57:16
